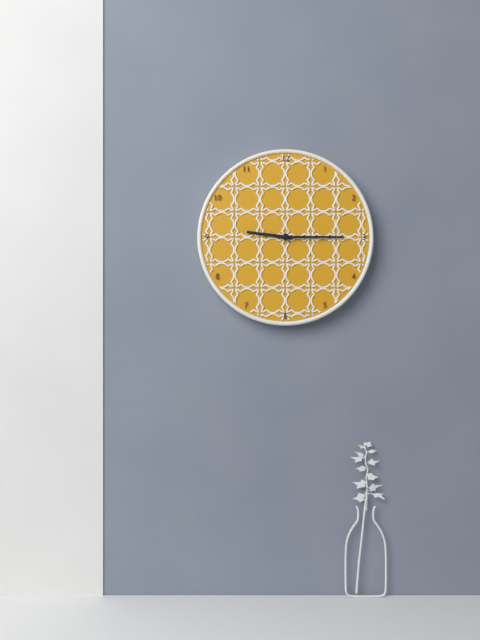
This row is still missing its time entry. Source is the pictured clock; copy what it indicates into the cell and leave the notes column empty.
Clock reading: 9:15
